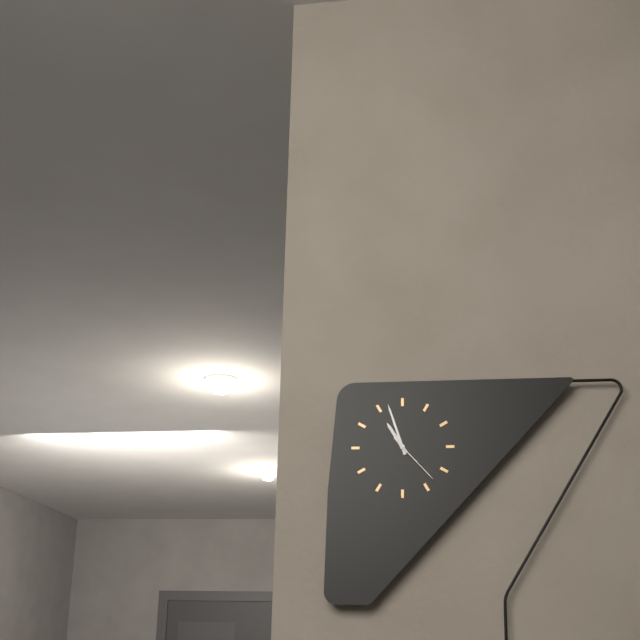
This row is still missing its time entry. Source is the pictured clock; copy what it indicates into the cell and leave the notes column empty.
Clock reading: 10:57:23
